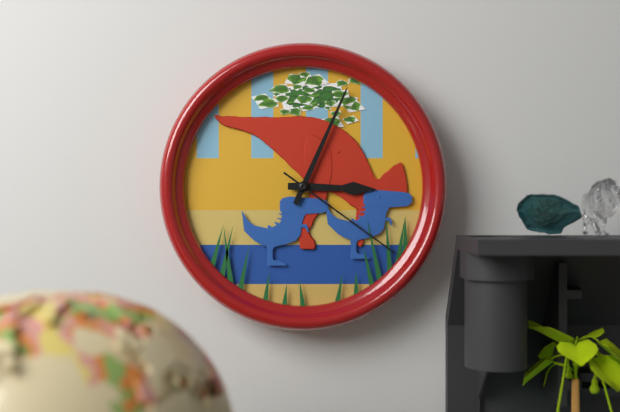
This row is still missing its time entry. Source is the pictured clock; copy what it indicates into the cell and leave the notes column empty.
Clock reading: 3:04:21
